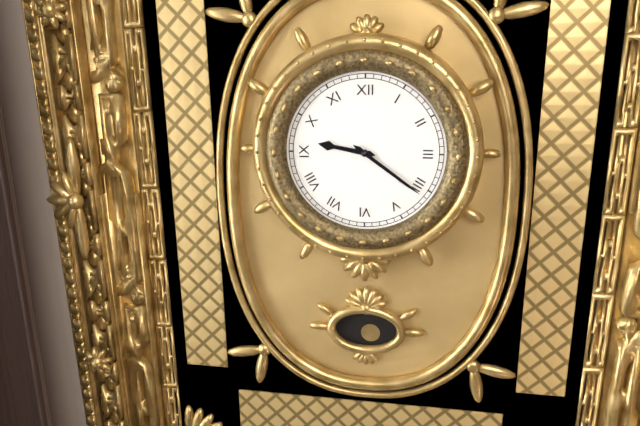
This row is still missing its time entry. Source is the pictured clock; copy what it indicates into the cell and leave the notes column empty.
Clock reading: 9:21
